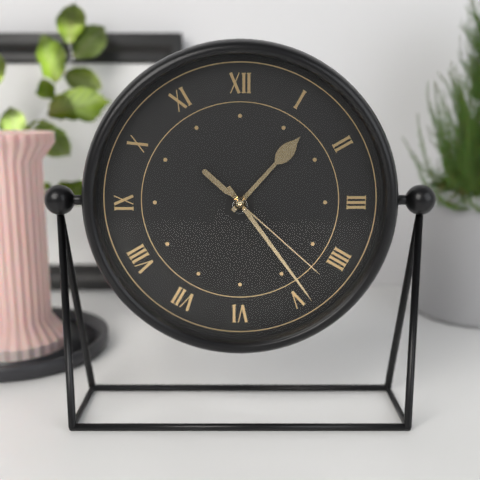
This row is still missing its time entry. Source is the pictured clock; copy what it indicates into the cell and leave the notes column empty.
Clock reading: 1:24:22
